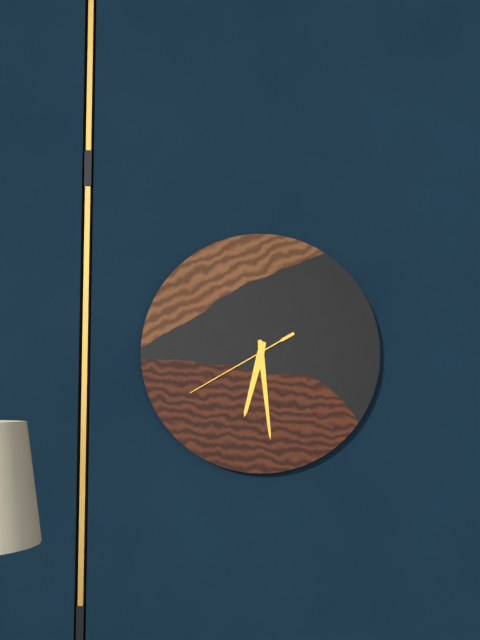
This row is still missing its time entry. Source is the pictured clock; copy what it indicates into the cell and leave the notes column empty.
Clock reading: 6:29:40
